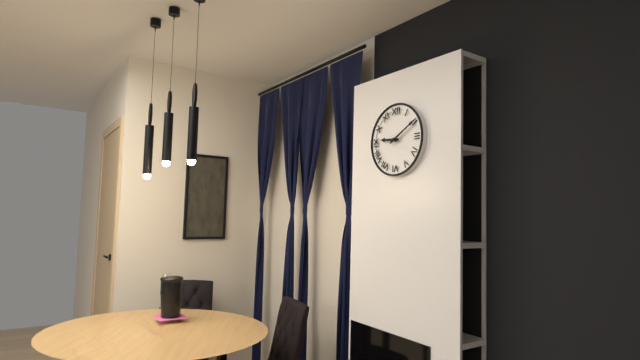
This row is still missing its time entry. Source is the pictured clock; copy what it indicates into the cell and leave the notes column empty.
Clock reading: 9:10
